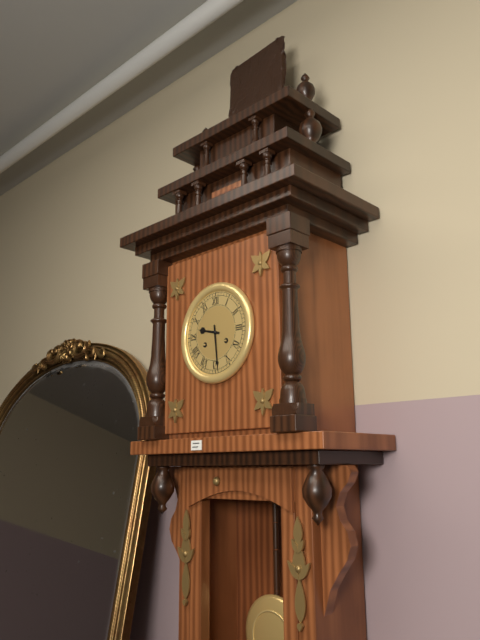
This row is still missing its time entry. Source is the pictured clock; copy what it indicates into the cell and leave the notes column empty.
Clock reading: 9:29
